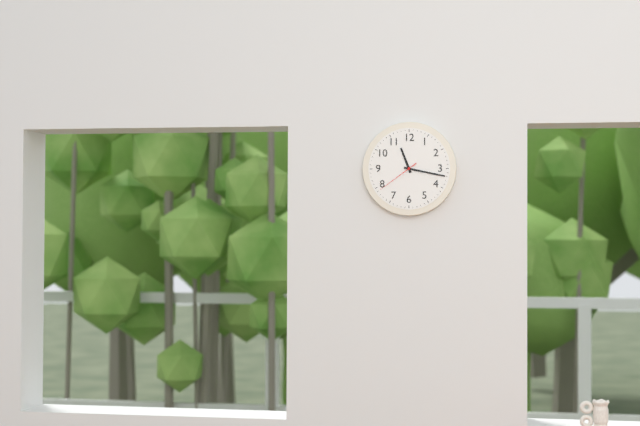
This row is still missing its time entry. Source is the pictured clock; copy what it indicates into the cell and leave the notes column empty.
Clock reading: 11:17
